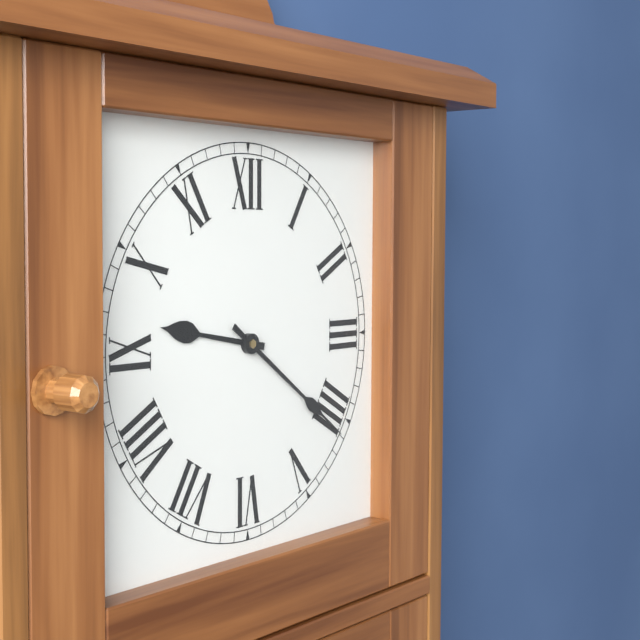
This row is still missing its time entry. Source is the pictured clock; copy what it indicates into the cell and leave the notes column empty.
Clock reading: 9:21
